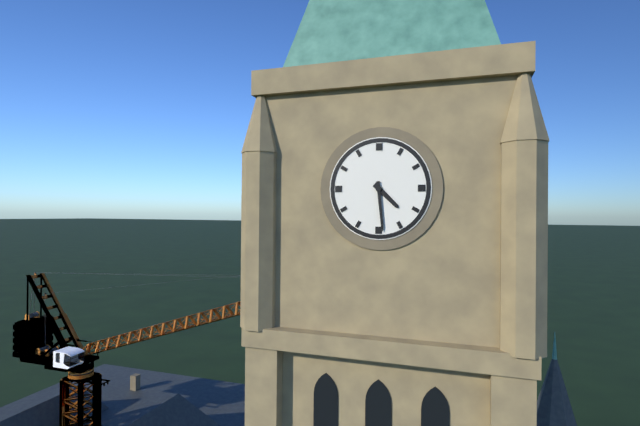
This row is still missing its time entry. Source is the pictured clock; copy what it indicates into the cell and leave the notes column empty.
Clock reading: 4:29
